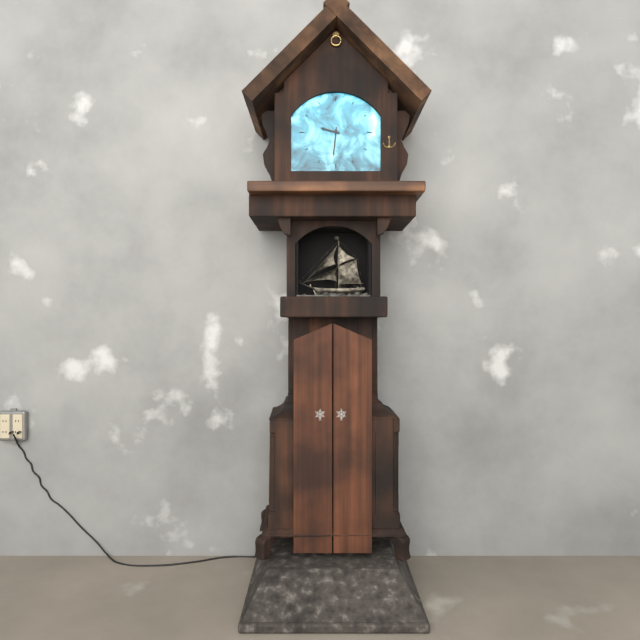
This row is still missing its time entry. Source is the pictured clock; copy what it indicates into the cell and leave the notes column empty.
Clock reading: 9:31
